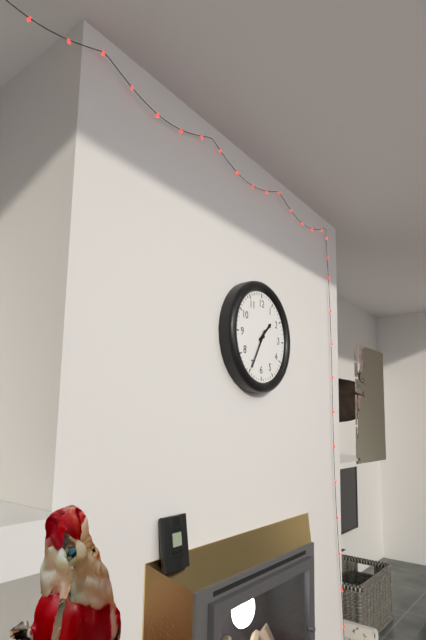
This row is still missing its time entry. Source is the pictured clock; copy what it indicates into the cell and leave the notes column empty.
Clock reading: 1:35
